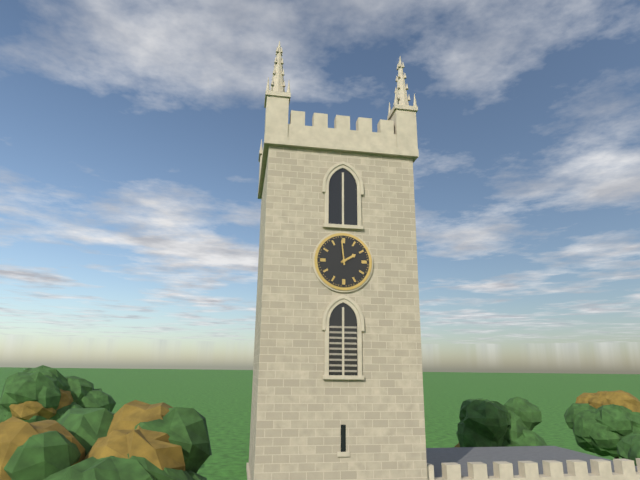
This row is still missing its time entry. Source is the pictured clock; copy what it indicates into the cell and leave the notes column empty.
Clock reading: 1:59
